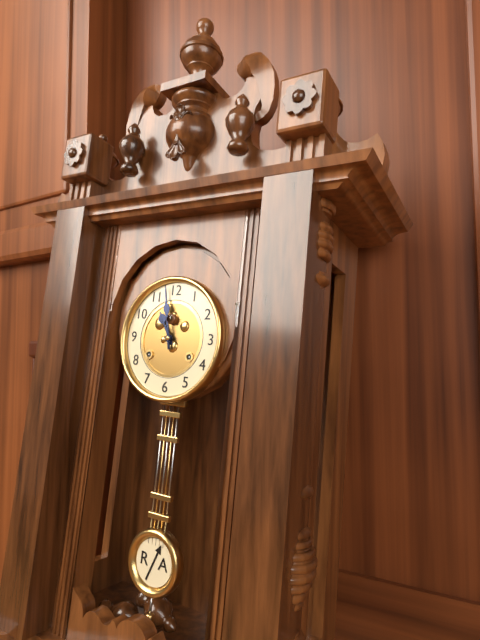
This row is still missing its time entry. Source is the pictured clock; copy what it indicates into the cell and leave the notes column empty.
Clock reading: 10:58
